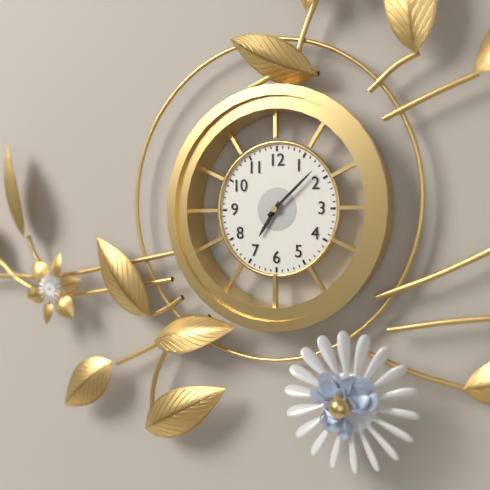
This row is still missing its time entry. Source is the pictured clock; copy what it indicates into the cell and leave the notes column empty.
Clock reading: 7:08
